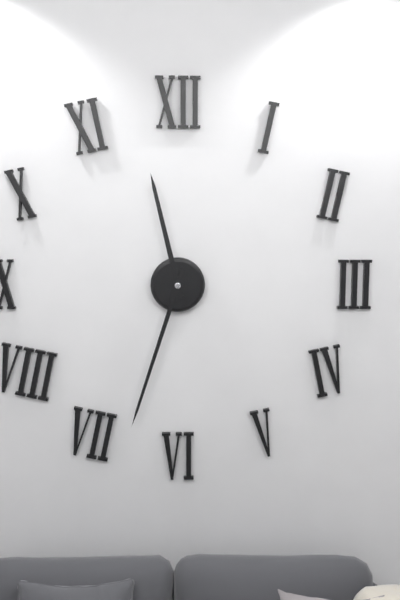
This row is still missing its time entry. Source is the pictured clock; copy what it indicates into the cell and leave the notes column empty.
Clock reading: 11:33
